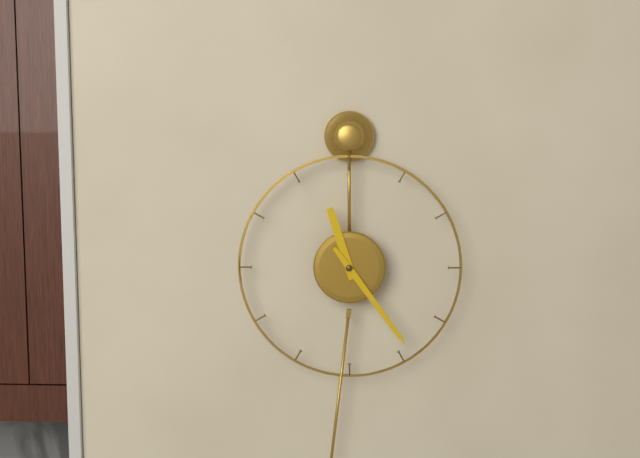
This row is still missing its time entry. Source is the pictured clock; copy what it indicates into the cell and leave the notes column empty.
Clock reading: 11:24
